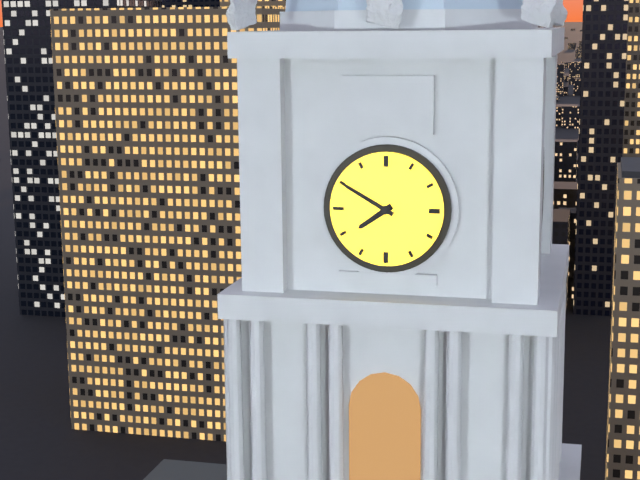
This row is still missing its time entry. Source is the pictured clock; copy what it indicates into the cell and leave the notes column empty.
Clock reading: 7:50
